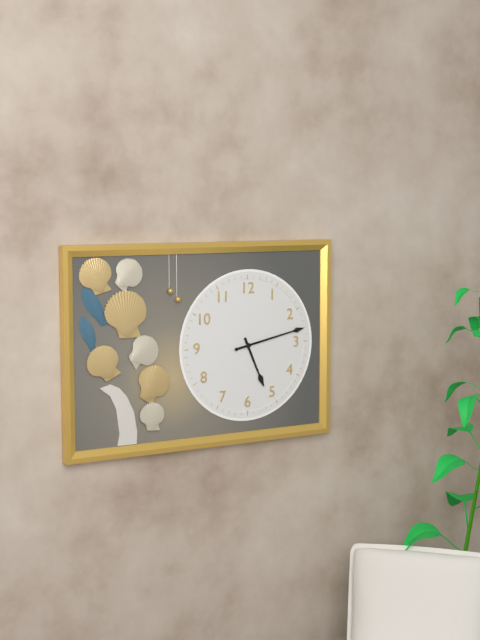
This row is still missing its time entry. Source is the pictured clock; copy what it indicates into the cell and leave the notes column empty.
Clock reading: 5:13
